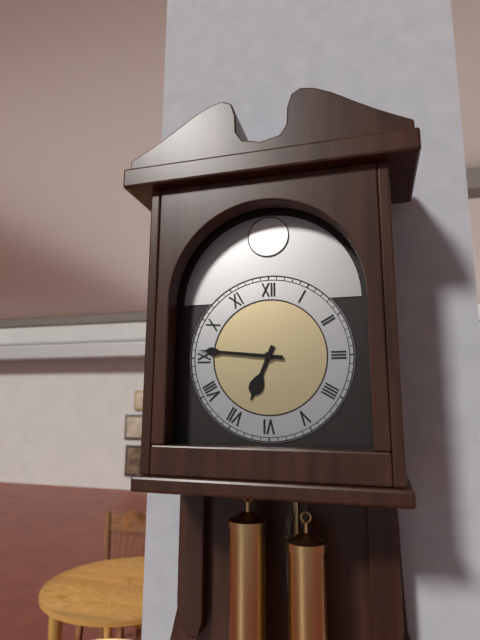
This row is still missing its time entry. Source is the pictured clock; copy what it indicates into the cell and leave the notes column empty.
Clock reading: 6:46
